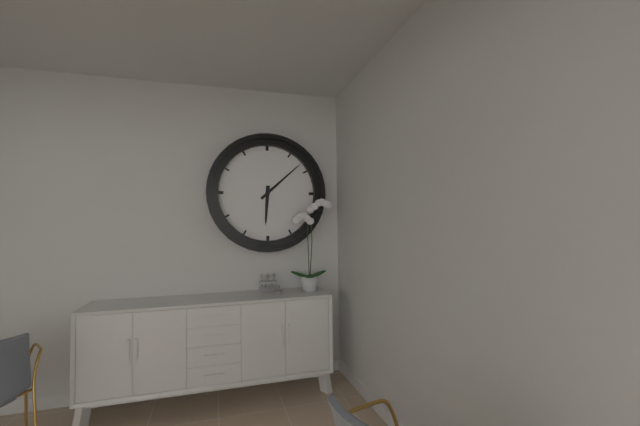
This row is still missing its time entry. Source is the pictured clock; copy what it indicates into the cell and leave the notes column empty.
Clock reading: 6:08
